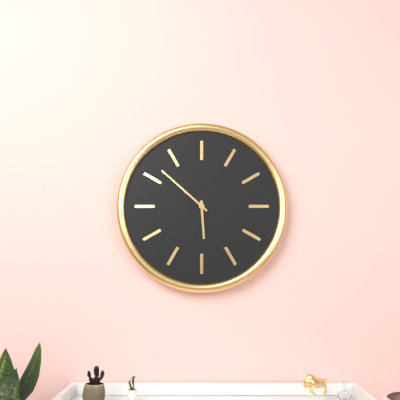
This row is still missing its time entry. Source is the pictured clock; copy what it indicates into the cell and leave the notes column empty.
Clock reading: 5:52
